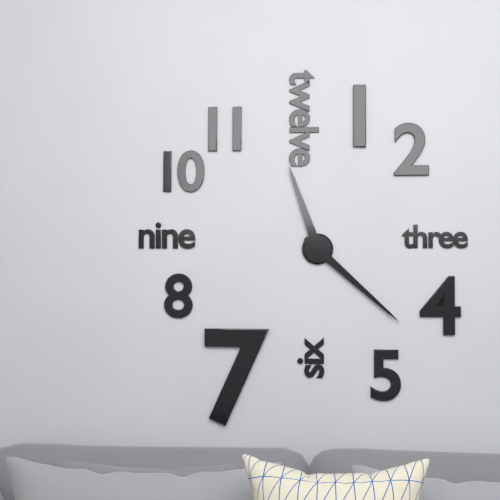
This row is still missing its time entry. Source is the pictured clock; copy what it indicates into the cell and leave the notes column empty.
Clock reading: 11:22
